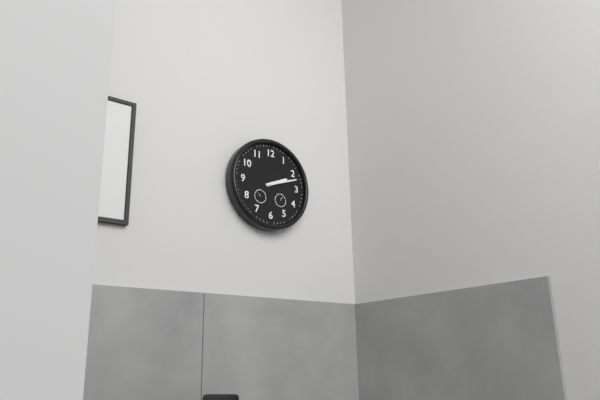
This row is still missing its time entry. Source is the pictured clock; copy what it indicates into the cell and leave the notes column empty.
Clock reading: 2:12
